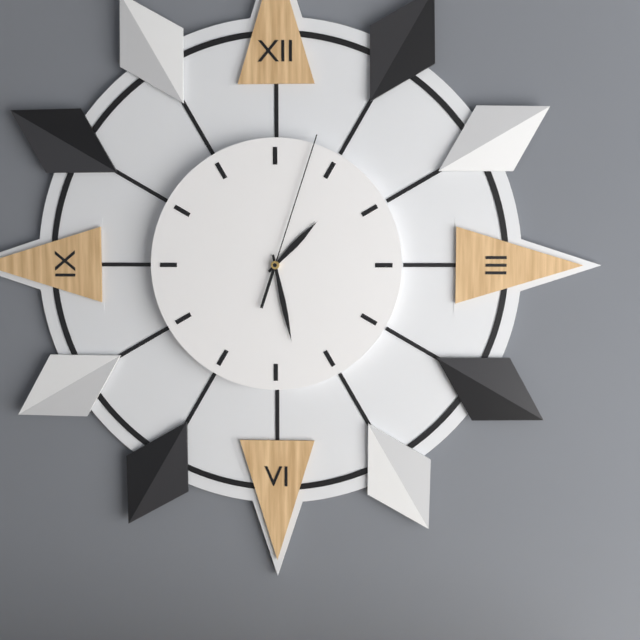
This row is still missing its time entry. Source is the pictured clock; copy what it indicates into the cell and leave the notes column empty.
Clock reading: 1:28:03
